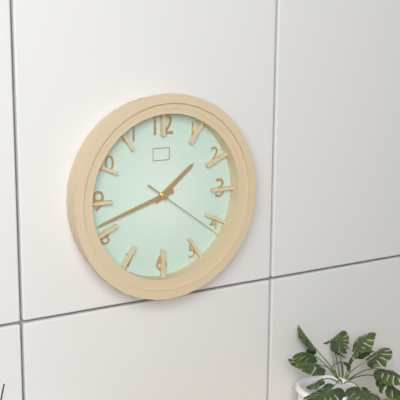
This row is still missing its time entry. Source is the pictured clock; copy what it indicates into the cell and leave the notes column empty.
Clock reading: 1:42:21
